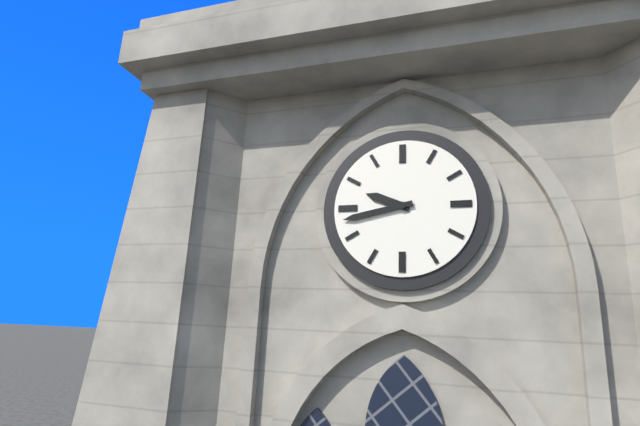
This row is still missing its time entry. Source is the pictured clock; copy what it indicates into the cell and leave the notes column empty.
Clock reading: 9:43
